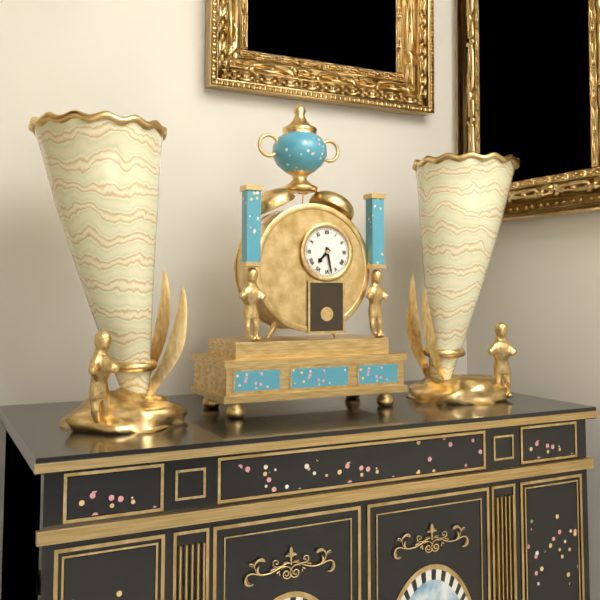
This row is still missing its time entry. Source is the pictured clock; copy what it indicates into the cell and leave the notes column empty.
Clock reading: 7:28
